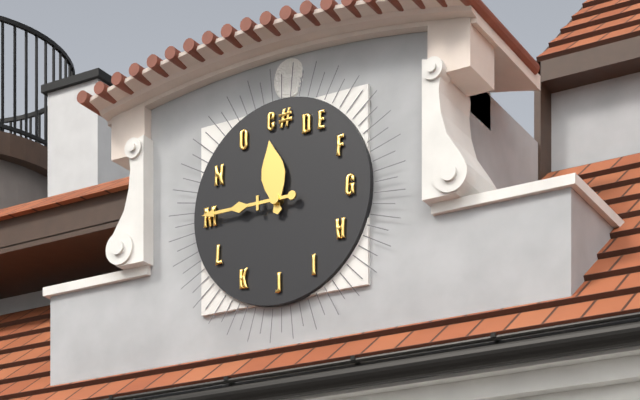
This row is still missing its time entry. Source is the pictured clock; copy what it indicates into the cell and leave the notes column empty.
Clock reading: 11:45
